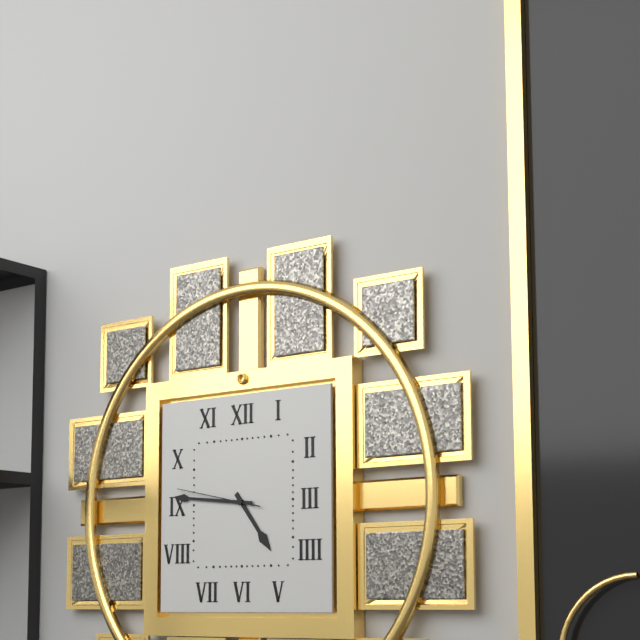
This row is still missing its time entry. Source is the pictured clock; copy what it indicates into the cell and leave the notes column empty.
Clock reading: 4:46:47
